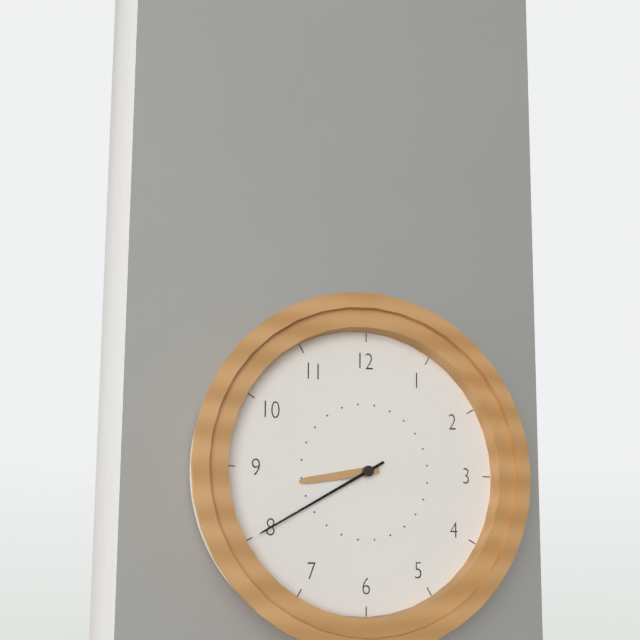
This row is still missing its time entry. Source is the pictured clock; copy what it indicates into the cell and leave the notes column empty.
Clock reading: 8:40
